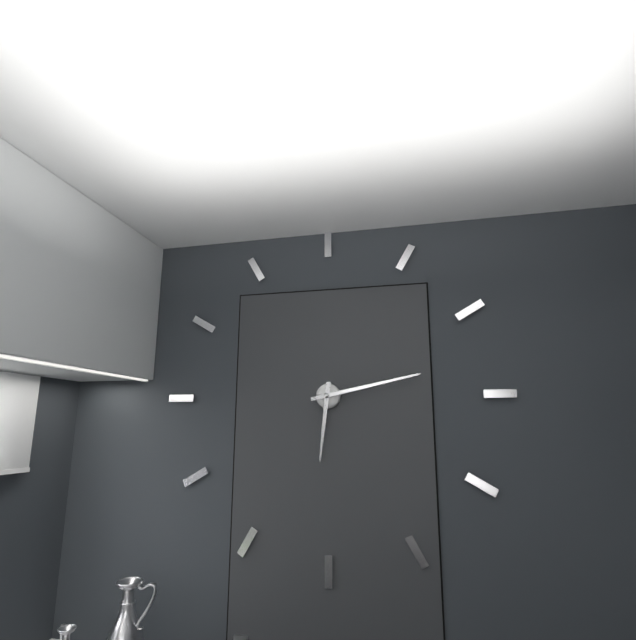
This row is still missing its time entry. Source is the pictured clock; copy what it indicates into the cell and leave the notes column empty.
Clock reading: 6:13
